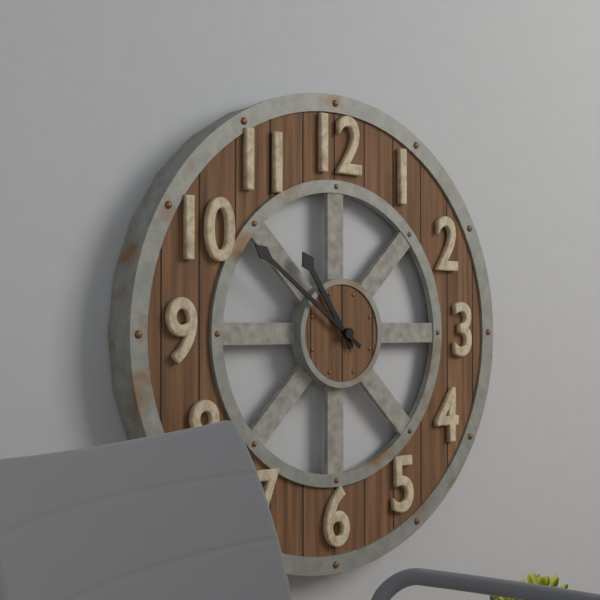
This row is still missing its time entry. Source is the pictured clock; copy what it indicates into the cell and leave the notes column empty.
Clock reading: 10:51
